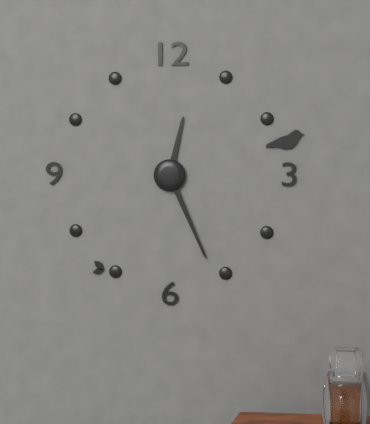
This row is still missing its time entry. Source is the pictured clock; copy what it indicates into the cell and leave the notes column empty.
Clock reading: 12:26
